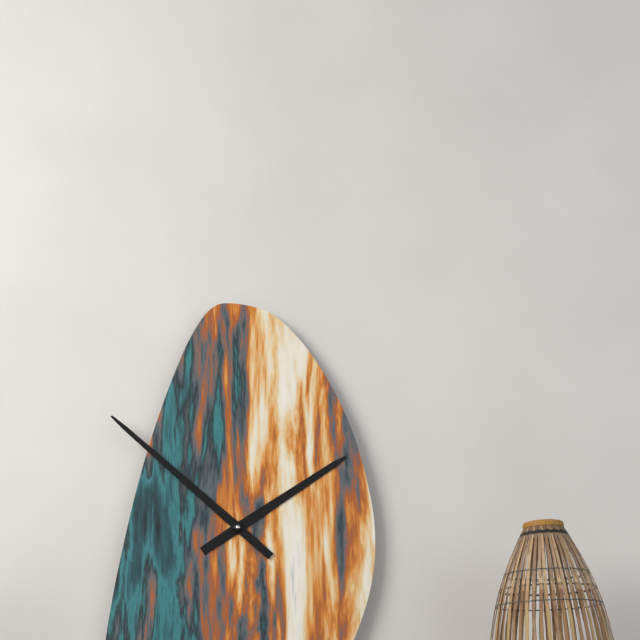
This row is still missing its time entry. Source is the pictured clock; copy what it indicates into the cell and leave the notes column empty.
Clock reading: 1:52
